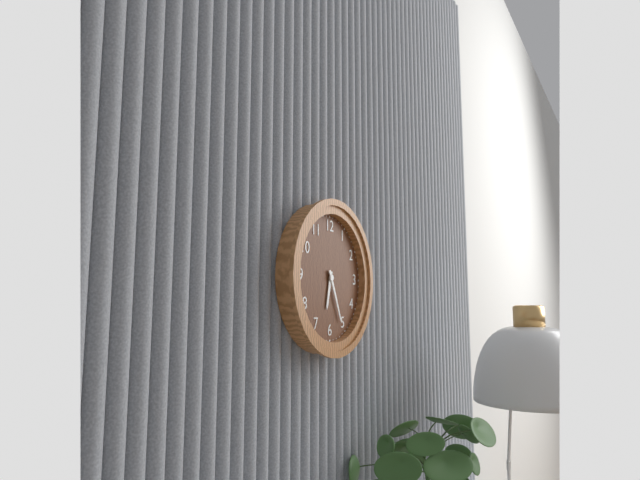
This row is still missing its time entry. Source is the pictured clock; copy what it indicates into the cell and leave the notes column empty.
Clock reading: 6:26
